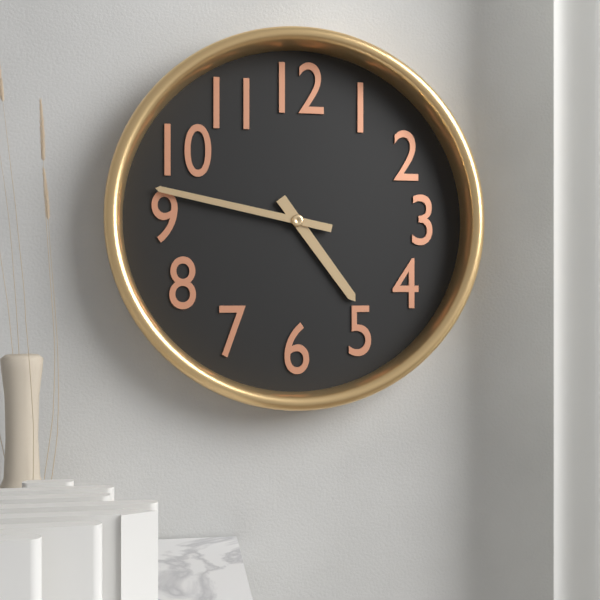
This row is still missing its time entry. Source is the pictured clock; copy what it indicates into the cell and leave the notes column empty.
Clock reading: 4:47
